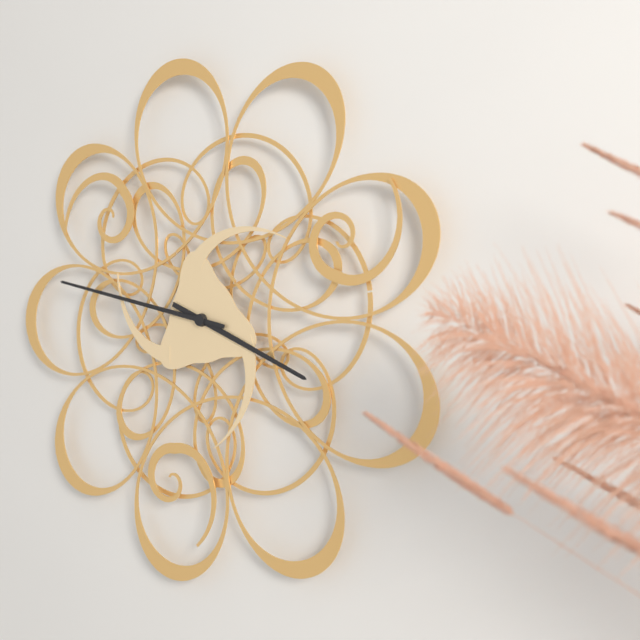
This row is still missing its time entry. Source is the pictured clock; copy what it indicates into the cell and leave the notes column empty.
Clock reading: 3:47
